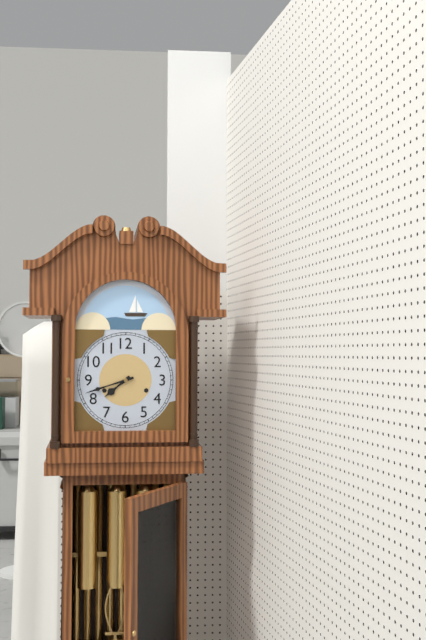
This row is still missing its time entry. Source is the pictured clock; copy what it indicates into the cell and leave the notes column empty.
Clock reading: 7:42
